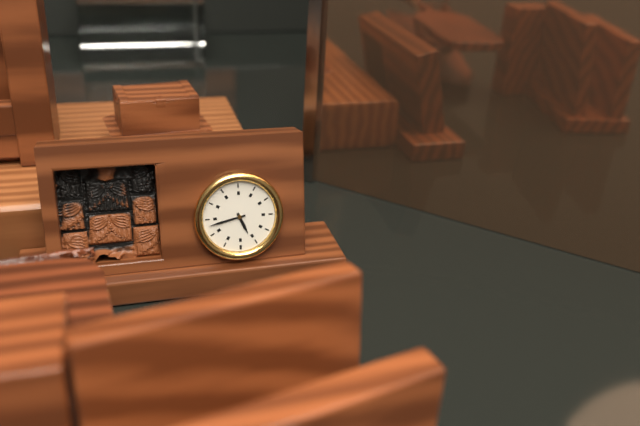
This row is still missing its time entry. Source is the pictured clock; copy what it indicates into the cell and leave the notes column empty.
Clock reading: 11:13
